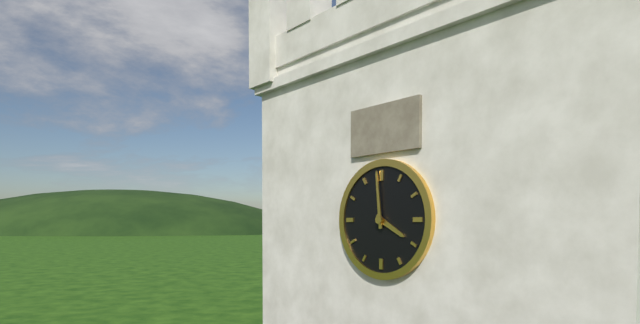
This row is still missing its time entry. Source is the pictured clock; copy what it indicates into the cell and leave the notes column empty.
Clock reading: 3:59
